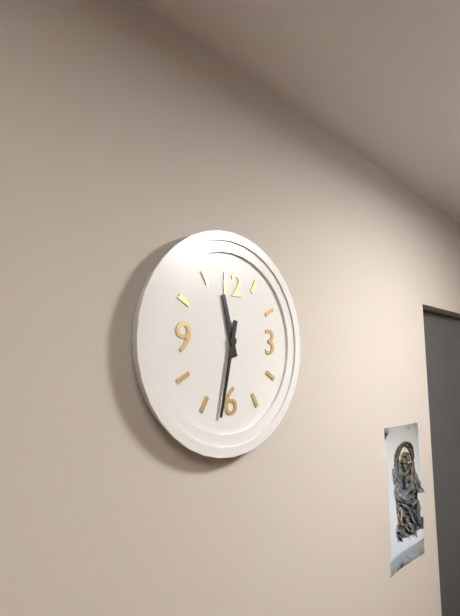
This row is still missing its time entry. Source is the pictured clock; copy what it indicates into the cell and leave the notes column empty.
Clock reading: 11:32
